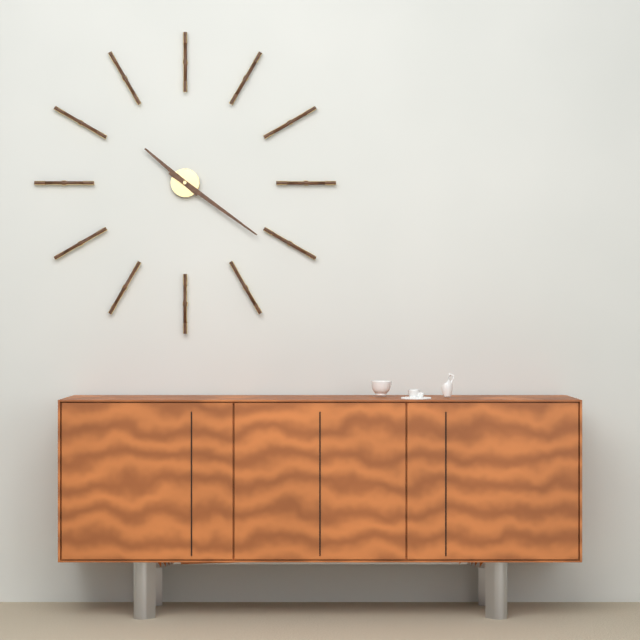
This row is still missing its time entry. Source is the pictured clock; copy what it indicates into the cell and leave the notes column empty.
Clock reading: 10:21
